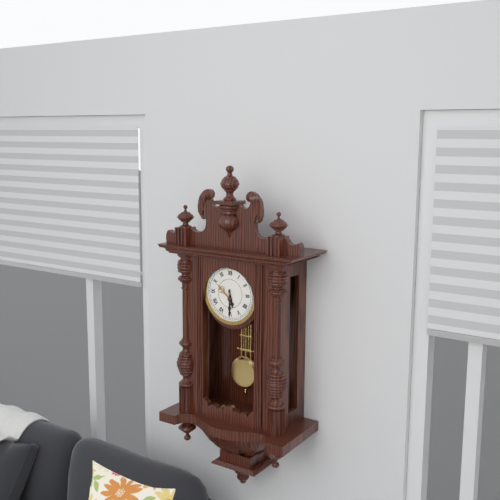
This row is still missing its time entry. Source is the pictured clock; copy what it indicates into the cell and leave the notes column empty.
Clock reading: 5:30
